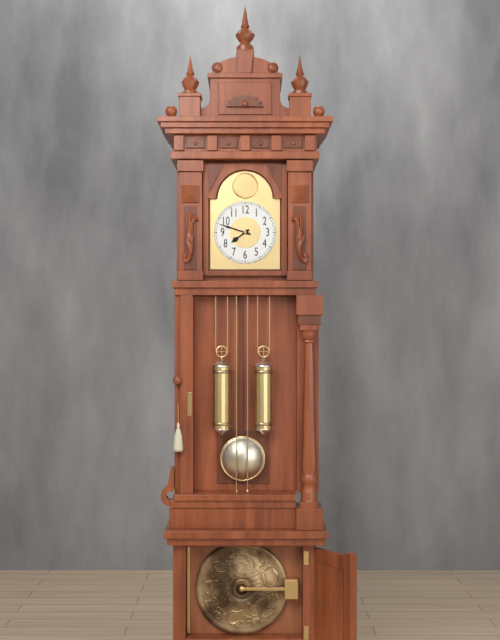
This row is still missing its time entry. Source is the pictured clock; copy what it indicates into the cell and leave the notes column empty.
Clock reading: 7:48
